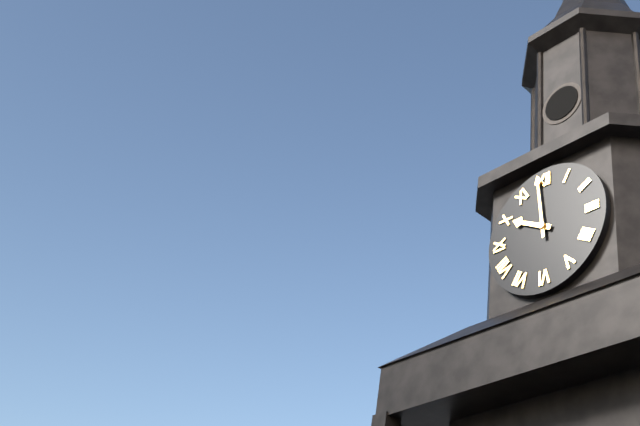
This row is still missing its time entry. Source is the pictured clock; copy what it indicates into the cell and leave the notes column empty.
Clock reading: 9:59
